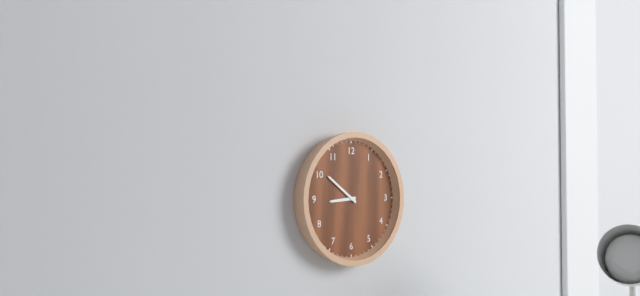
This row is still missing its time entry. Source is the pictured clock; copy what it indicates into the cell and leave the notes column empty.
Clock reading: 8:51
